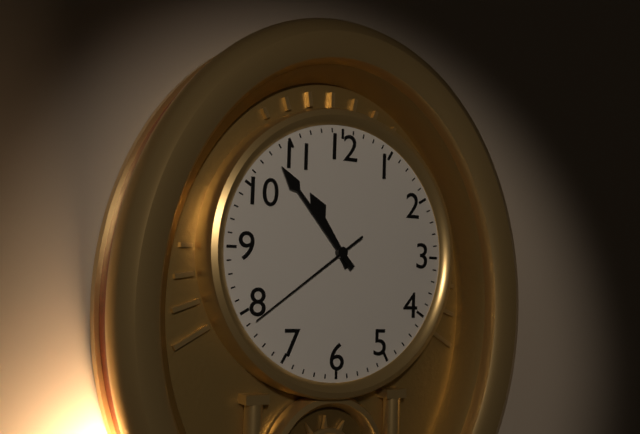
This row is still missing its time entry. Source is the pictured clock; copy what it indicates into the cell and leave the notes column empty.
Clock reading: 10:53:39
